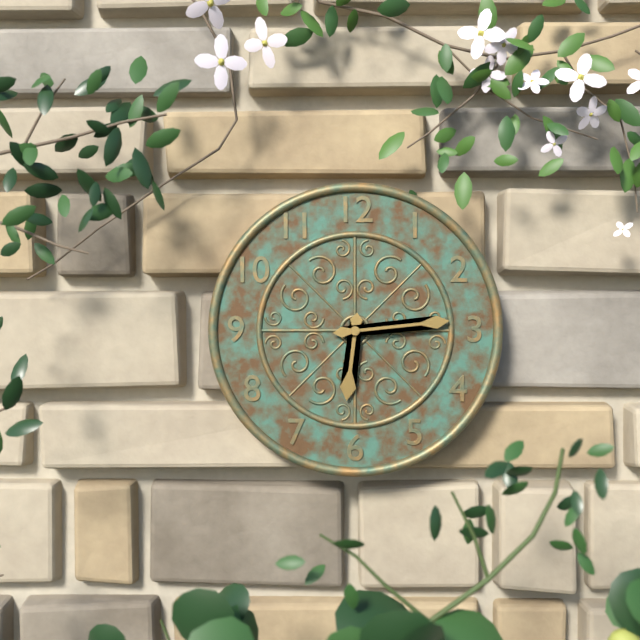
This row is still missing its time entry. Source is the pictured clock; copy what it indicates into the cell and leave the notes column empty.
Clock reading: 6:14
